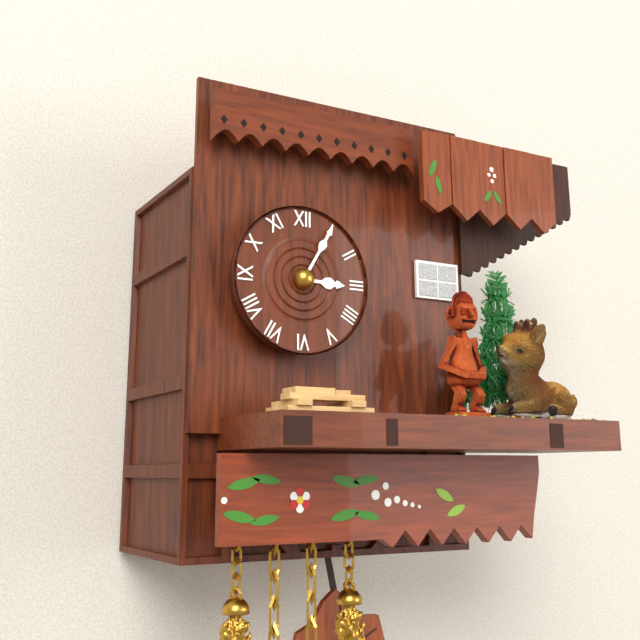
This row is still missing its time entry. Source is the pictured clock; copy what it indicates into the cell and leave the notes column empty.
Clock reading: 3:05
